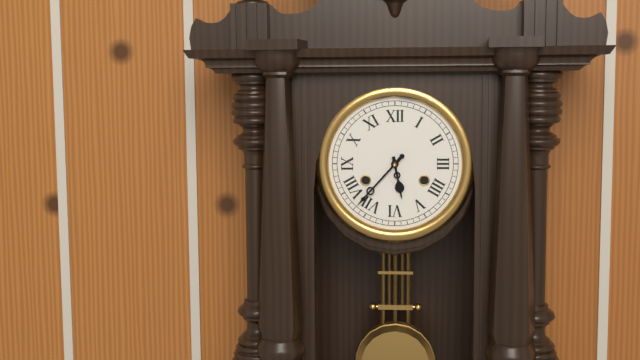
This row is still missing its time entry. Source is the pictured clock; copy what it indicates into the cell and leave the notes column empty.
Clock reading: 5:37
